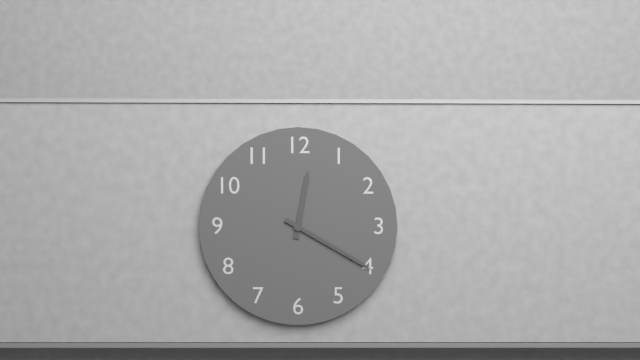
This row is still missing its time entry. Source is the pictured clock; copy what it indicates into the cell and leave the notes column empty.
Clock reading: 12:20
